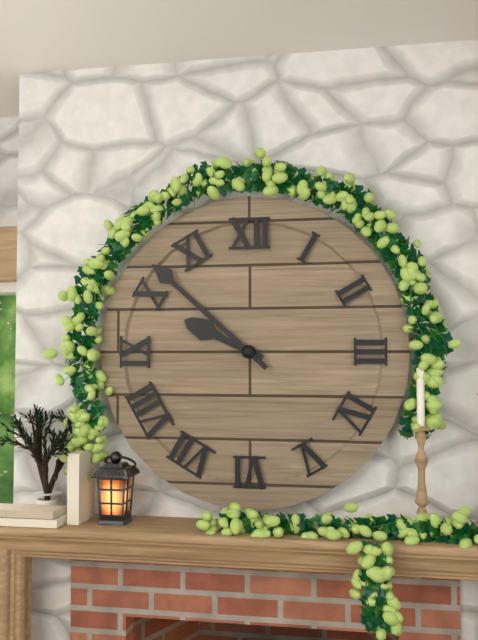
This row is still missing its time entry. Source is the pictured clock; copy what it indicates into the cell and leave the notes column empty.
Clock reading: 9:52
